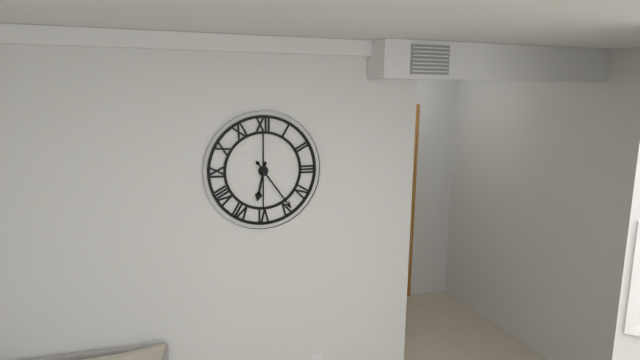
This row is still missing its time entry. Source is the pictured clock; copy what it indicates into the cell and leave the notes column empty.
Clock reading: 6:24
